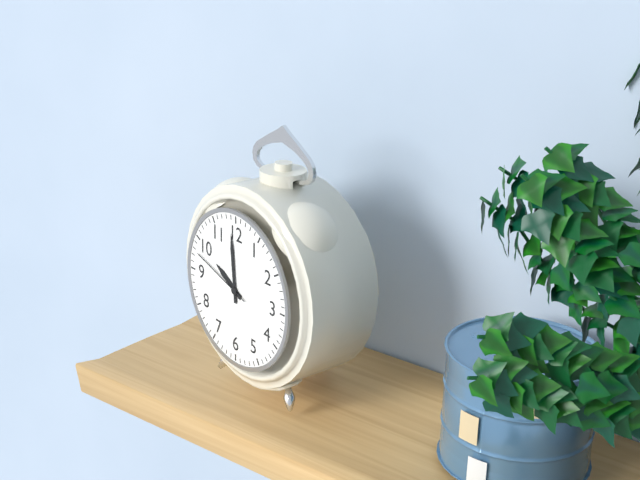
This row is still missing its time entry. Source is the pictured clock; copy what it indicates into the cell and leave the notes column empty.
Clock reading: 9:59:48
